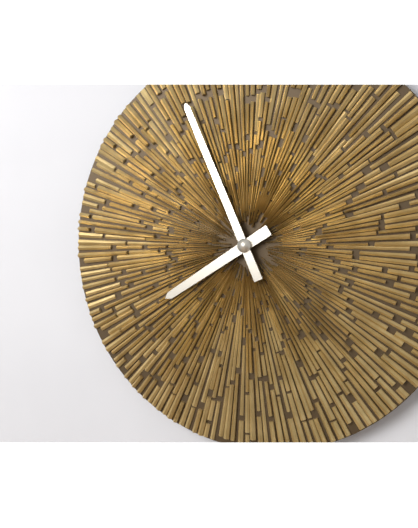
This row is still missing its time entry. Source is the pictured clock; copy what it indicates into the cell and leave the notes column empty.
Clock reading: 7:56
